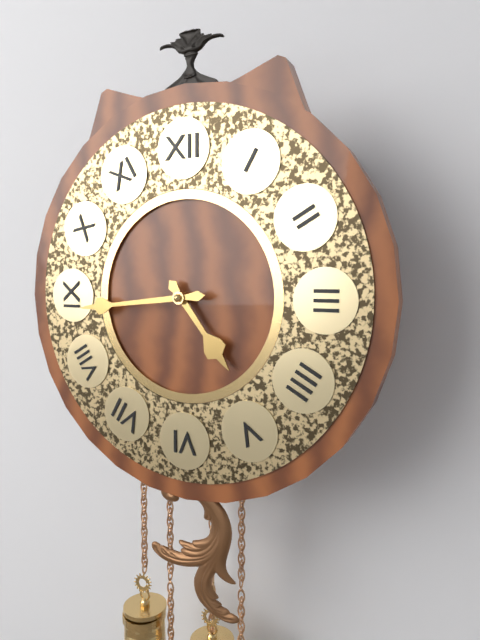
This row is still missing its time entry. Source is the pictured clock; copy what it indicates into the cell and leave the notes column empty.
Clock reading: 4:44
